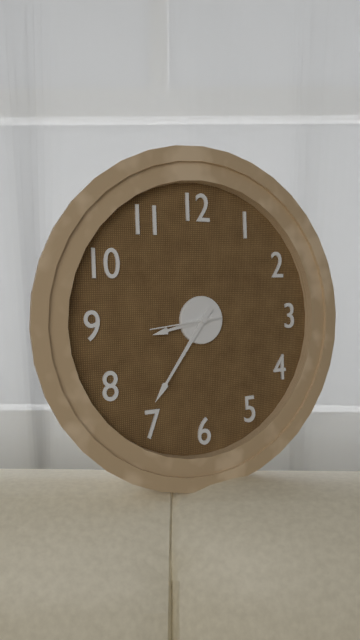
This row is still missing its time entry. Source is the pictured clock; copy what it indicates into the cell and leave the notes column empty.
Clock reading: 8:36:44
